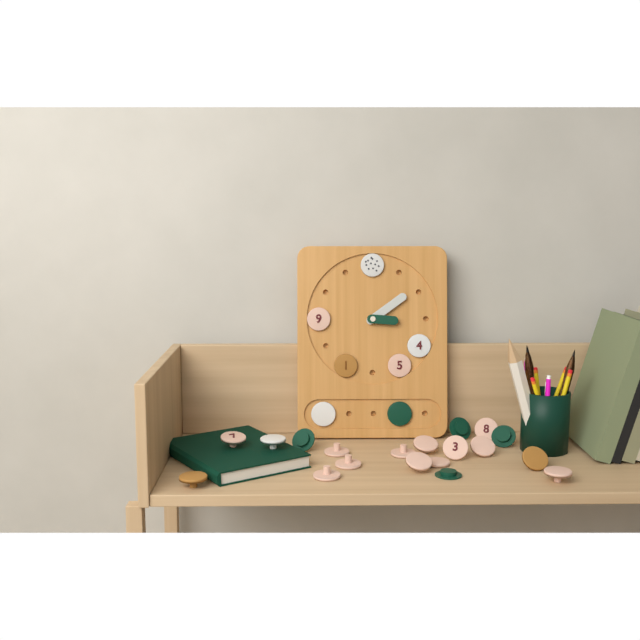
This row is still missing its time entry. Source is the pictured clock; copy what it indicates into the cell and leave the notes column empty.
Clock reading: 3:09
